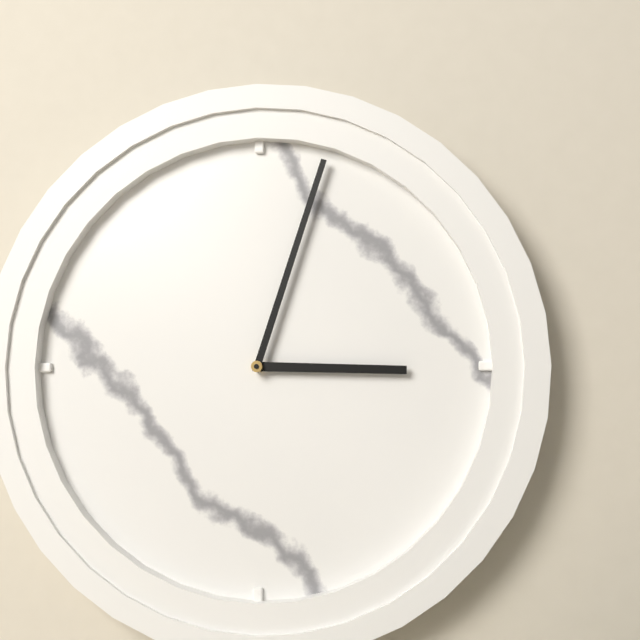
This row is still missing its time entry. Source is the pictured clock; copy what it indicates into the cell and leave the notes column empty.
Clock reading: 3:03
